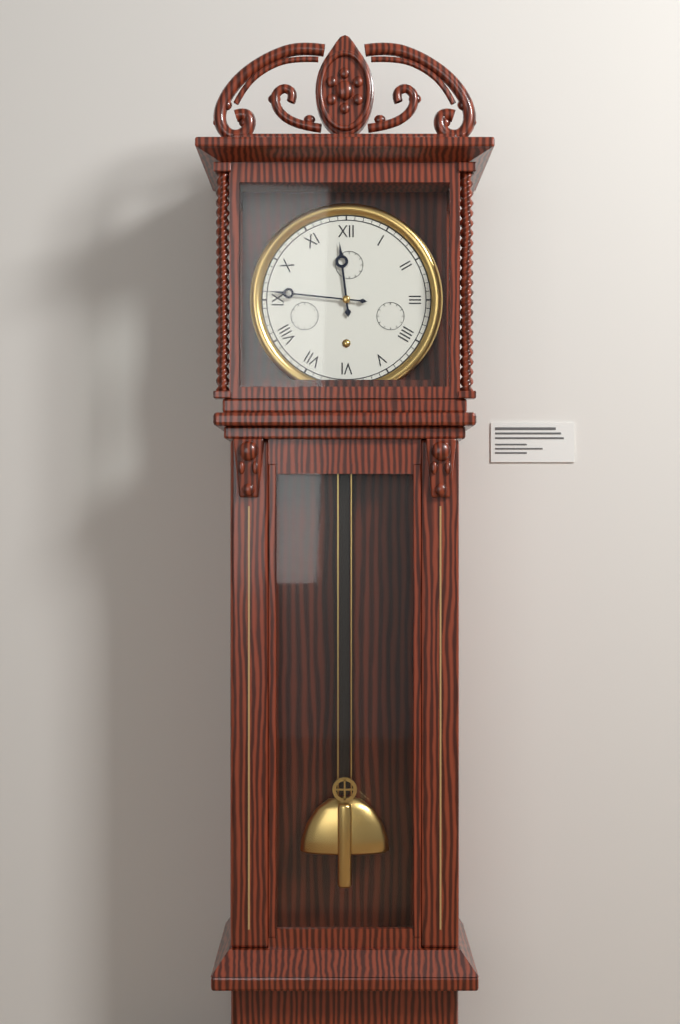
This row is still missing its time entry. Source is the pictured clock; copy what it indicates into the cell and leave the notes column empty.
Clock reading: 11:46
